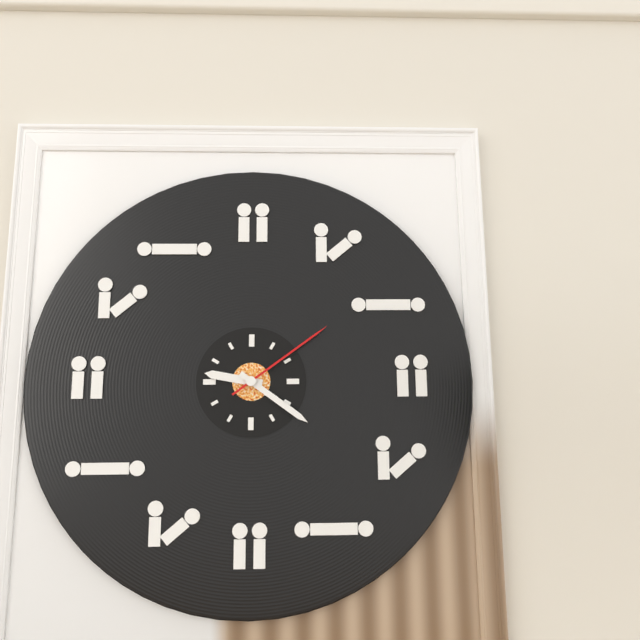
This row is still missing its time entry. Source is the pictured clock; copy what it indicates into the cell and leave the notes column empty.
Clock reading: 9:21:09
